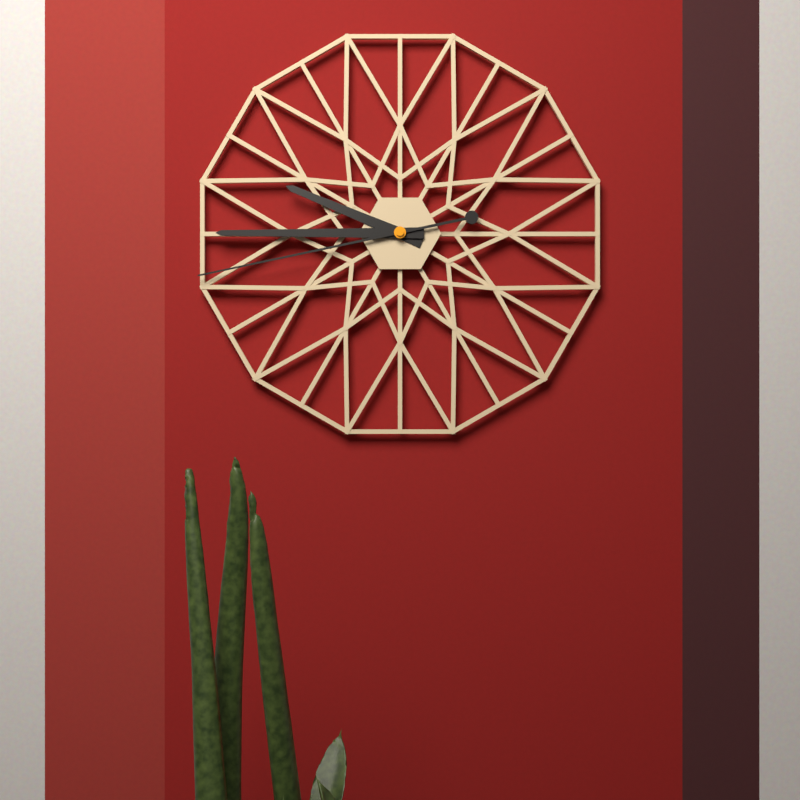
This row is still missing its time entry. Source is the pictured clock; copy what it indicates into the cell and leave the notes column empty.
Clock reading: 9:45:43
